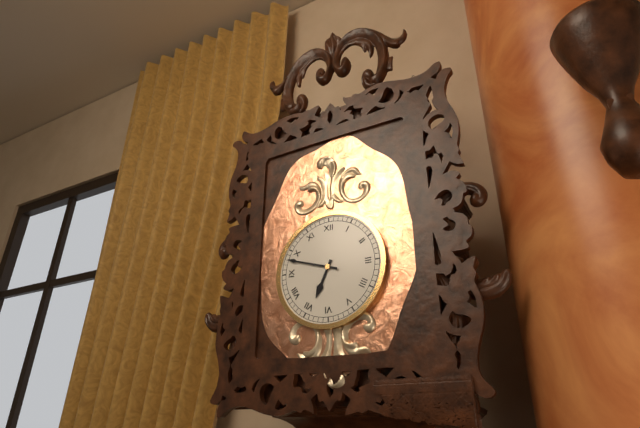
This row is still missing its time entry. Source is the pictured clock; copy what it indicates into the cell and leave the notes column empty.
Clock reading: 6:48
